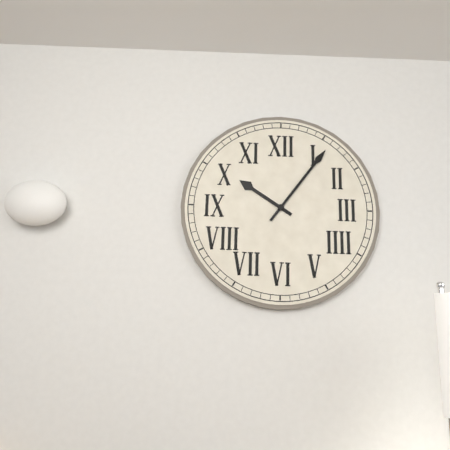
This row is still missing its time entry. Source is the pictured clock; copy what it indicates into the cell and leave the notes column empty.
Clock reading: 10:06
